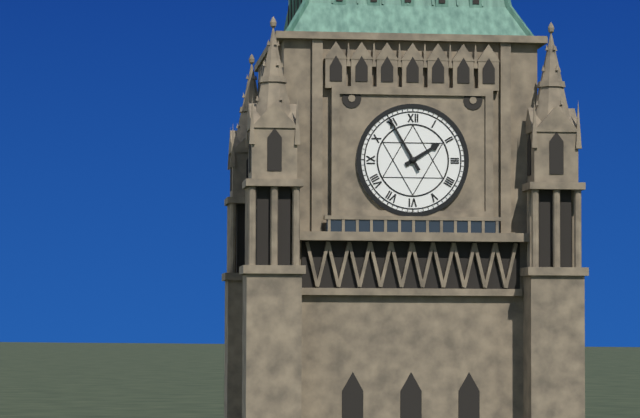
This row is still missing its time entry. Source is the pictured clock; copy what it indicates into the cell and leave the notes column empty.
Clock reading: 1:55
